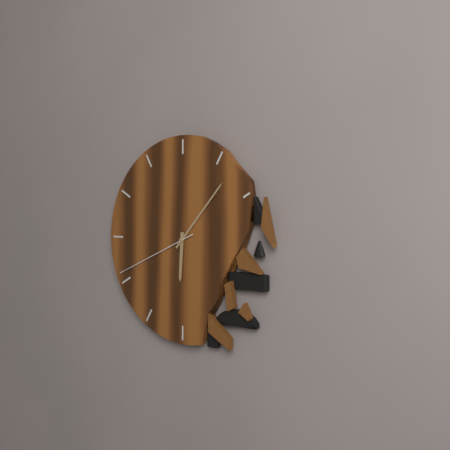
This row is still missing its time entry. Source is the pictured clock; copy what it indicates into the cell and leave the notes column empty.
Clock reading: 6:07:41
